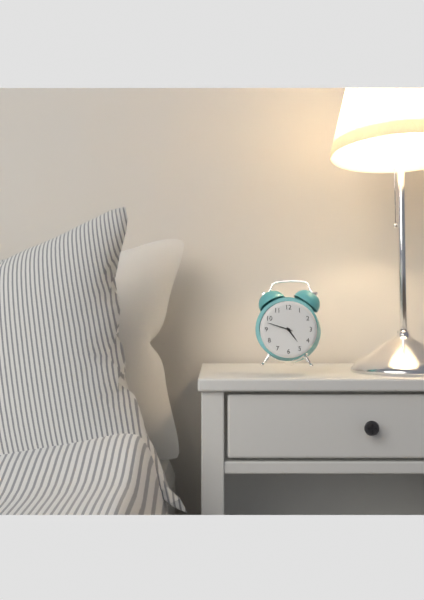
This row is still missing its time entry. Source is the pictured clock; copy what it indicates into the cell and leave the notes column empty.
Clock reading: 4:48
